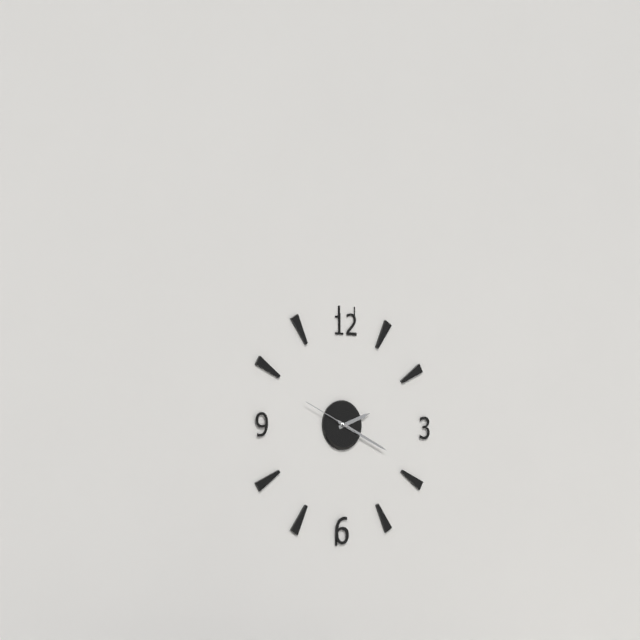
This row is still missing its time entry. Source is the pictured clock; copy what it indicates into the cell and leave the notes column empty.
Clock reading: 2:19:49
